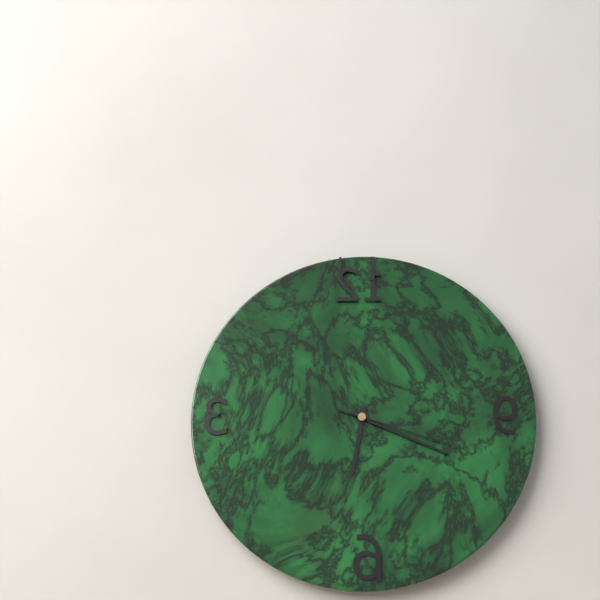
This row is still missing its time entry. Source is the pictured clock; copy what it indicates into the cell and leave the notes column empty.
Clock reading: 6:19:18
